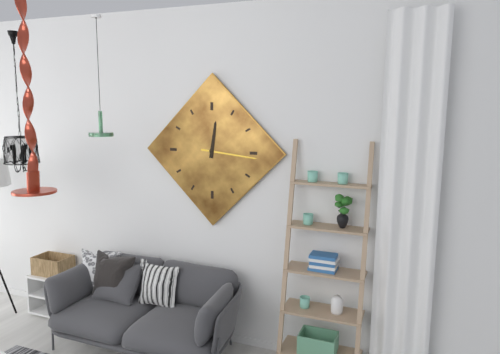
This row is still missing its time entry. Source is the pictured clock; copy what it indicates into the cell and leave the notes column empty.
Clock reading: 12:16
